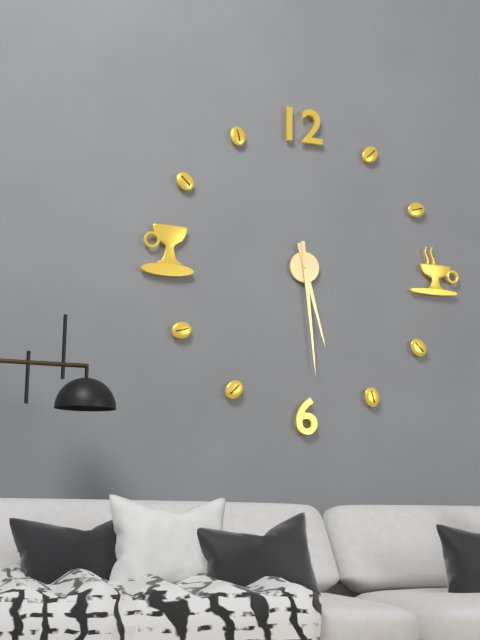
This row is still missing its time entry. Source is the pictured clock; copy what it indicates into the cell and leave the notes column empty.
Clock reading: 5:29
